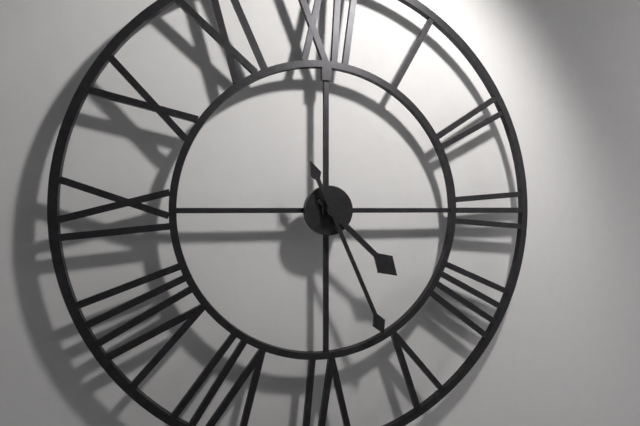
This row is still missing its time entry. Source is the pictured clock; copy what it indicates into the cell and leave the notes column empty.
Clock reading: 4:26
